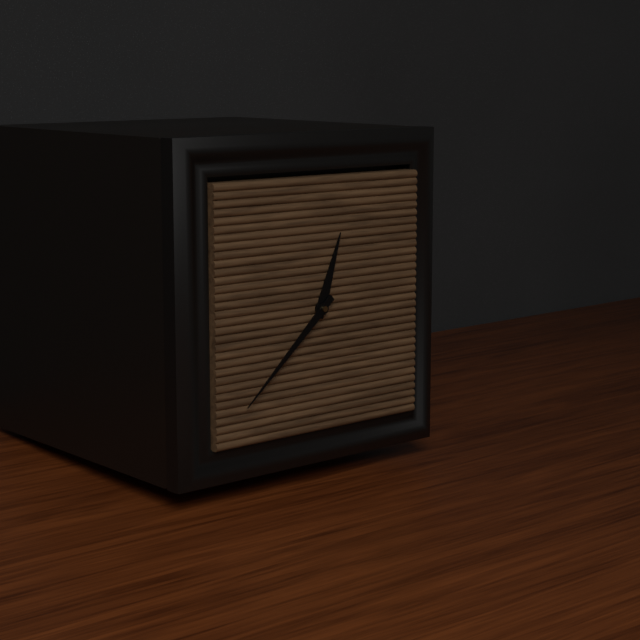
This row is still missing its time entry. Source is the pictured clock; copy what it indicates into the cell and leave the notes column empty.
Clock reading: 12:38
